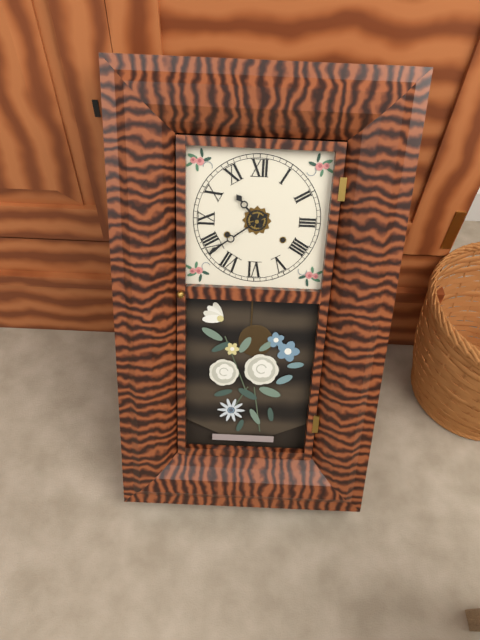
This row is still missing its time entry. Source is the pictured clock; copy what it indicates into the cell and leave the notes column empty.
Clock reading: 10:39
